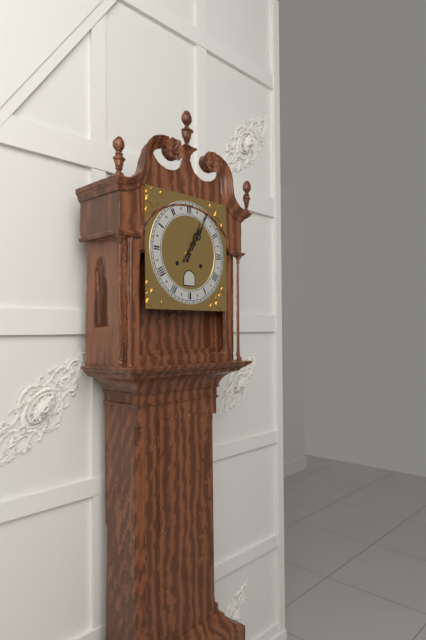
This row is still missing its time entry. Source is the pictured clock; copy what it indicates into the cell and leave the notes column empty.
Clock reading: 1:05
